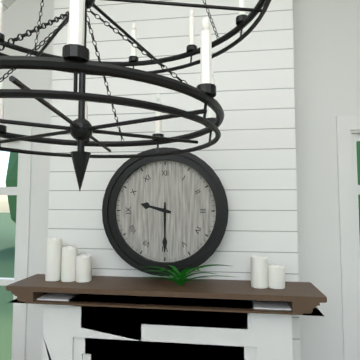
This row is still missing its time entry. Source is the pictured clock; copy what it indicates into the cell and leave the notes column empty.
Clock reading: 9:30
